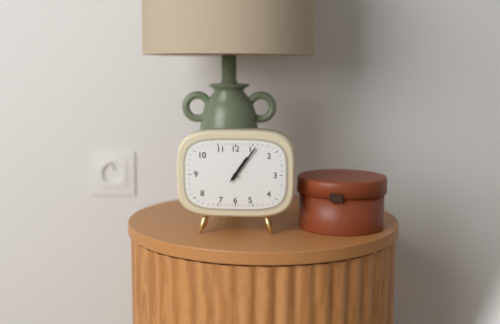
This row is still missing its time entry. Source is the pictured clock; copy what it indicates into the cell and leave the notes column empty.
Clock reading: 1:06
